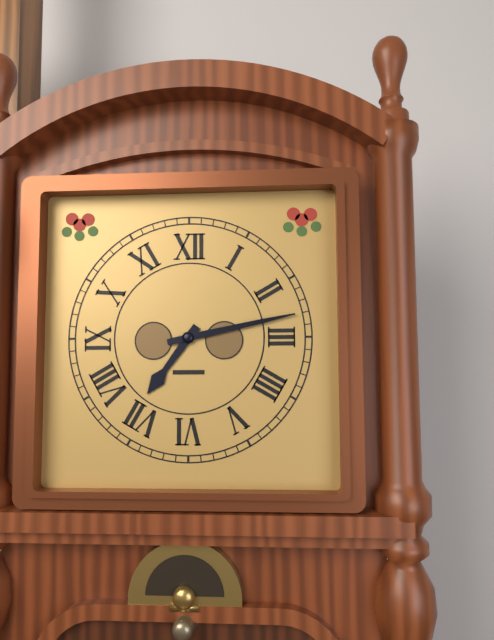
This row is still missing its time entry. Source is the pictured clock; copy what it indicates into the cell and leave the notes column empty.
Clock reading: 7:13
